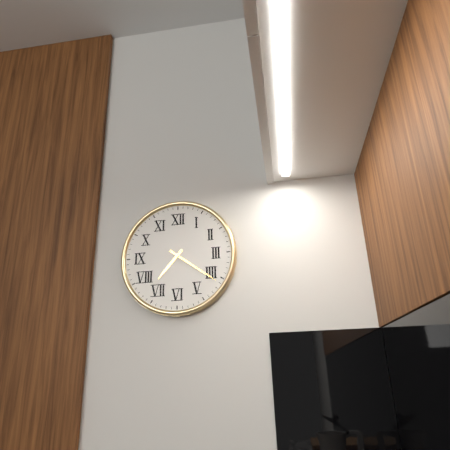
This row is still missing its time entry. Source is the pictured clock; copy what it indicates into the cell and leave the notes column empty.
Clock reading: 7:21
